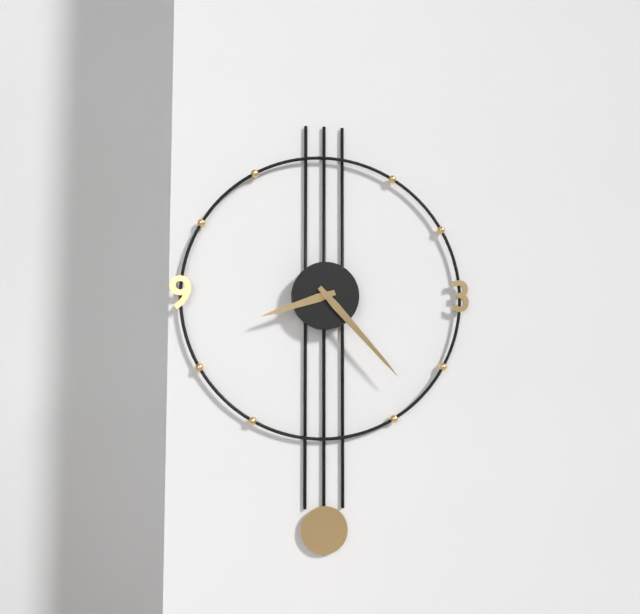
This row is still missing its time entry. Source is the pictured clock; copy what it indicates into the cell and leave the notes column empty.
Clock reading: 8:23
